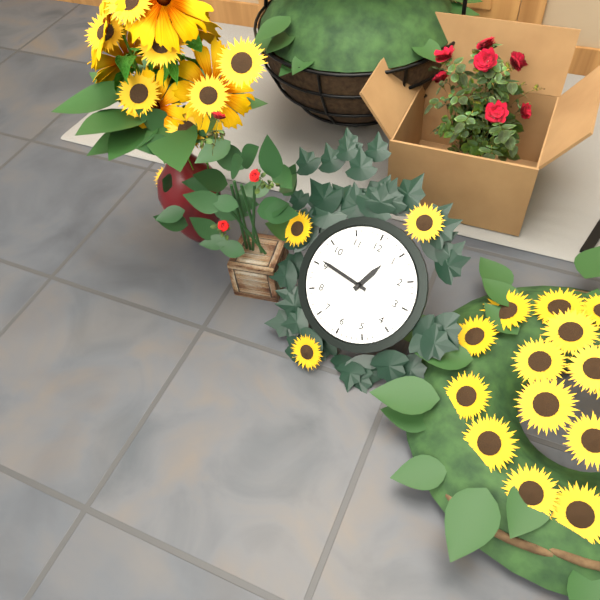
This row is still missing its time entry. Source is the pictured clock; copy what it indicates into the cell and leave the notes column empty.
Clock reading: 12:46
